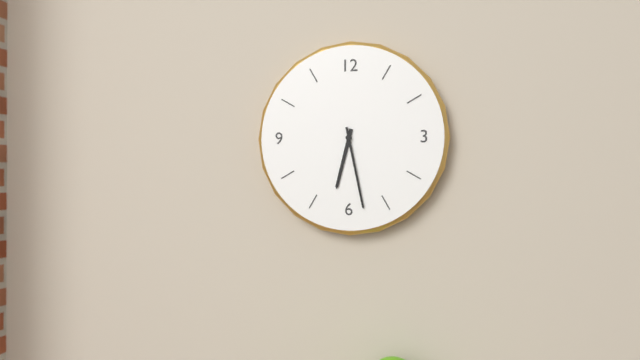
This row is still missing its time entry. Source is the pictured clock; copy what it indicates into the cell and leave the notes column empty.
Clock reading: 6:28
